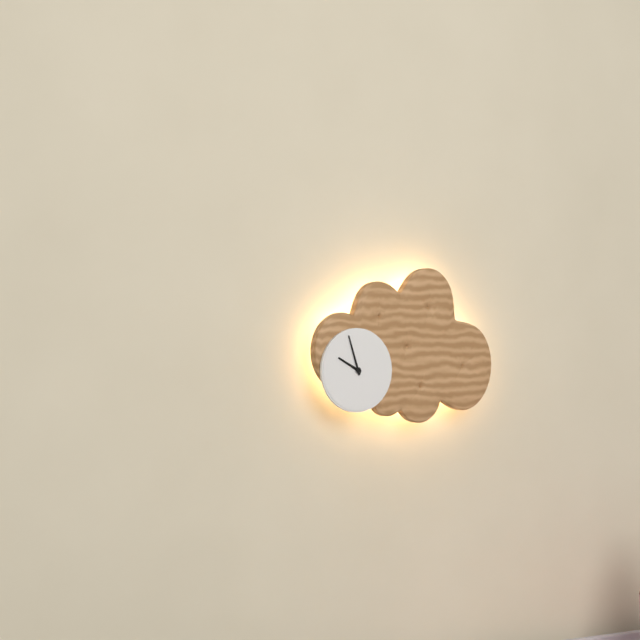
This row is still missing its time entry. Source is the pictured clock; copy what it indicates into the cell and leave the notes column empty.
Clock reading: 9:57
